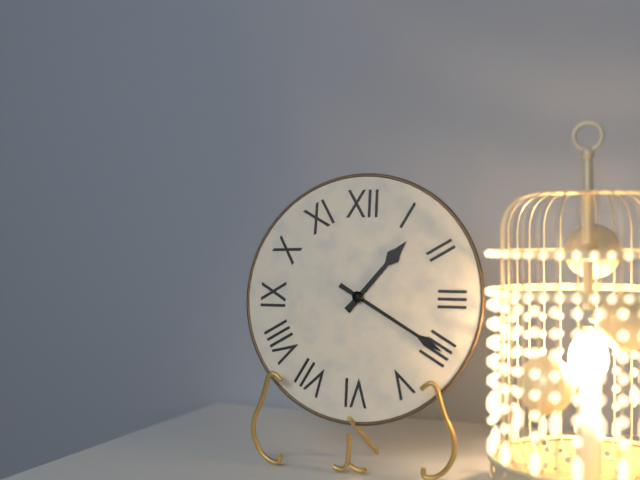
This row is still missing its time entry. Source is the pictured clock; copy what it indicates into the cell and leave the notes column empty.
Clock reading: 1:20
